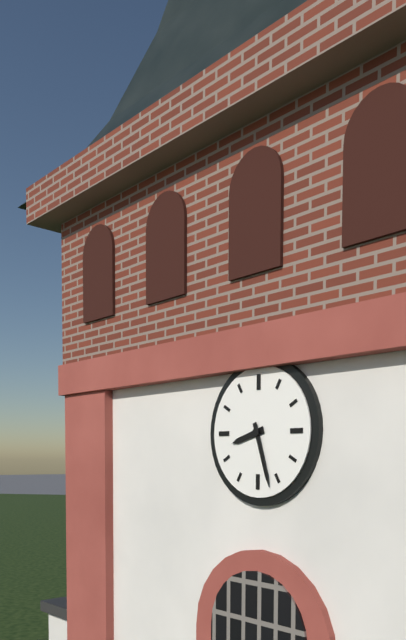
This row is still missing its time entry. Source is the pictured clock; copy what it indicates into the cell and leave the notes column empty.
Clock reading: 8:27
